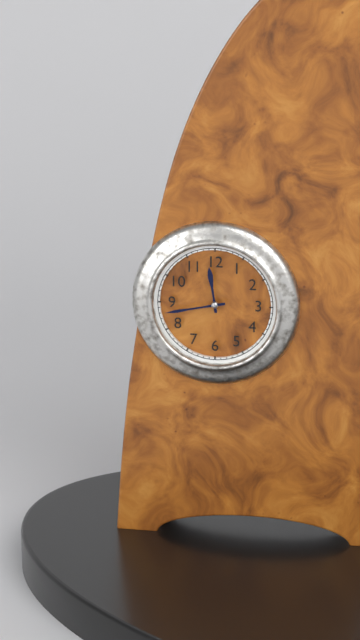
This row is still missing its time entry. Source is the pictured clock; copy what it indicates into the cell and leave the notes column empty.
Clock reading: 11:43
